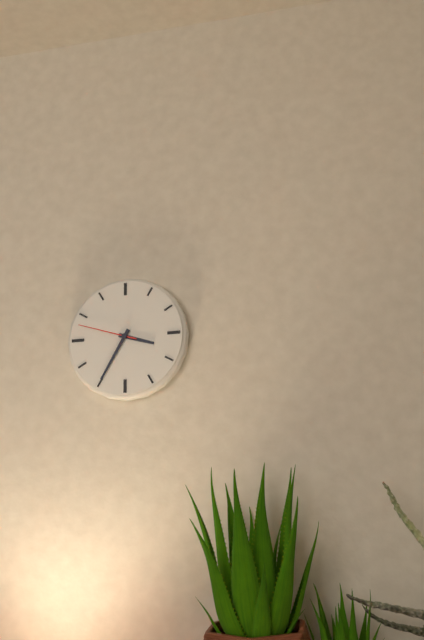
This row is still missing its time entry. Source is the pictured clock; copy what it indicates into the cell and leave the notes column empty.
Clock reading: 3:35:48
